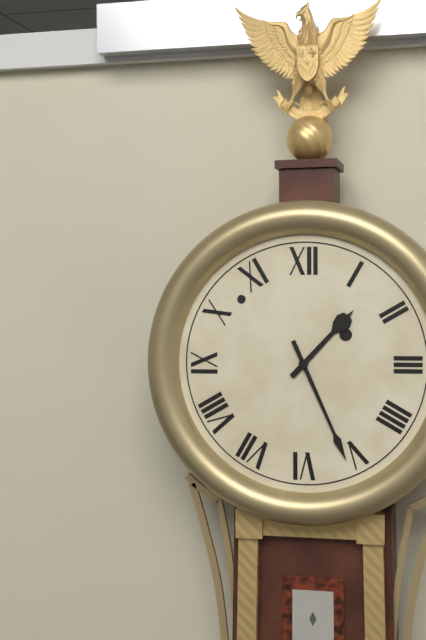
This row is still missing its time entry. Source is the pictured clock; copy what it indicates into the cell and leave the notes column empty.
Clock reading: 1:26
